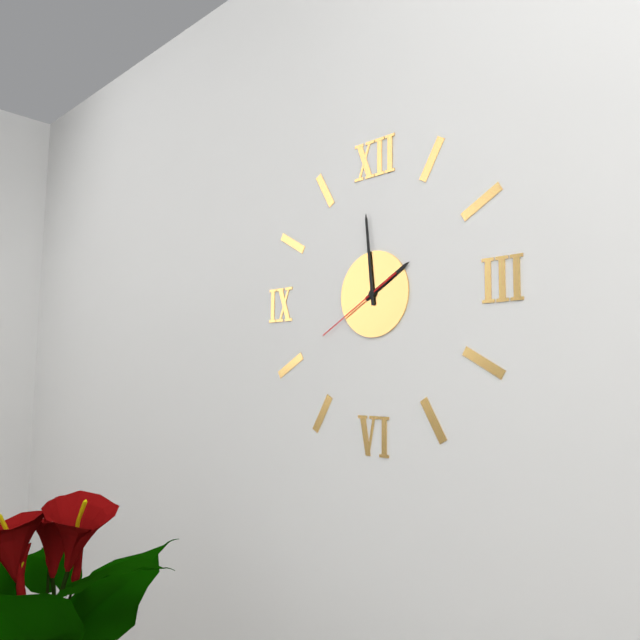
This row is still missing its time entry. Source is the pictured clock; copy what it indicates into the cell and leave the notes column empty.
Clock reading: 1:59:40
